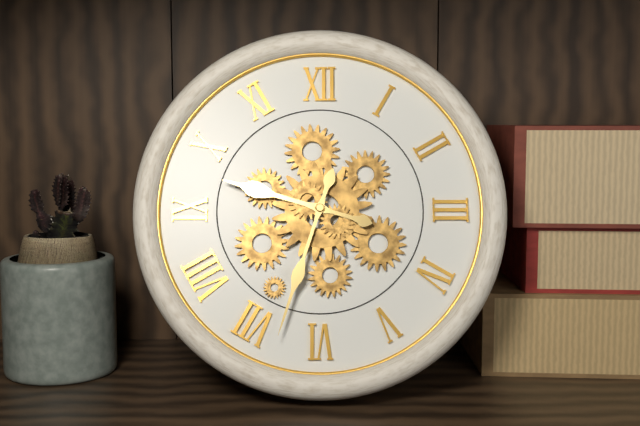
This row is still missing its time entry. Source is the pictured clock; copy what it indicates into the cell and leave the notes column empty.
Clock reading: 9:33
